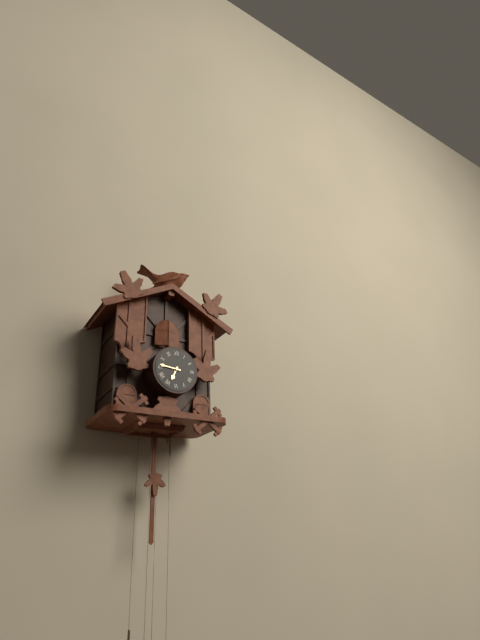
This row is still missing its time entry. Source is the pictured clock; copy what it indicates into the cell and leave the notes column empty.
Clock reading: 6:46
